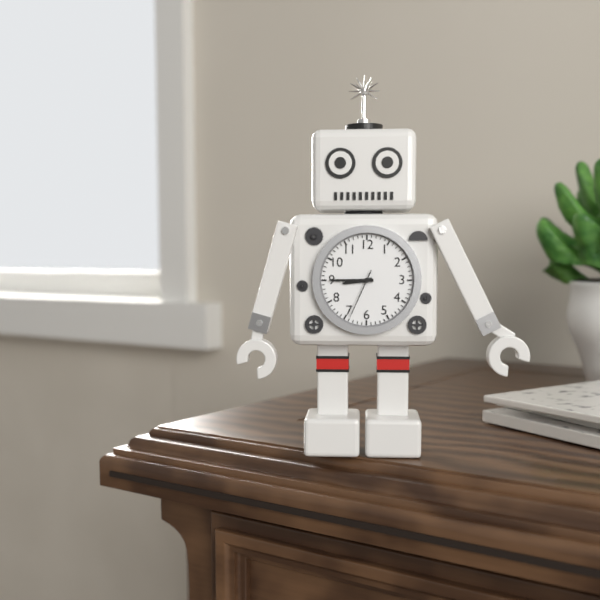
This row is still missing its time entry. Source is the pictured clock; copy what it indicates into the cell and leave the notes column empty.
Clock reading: 8:45:34
